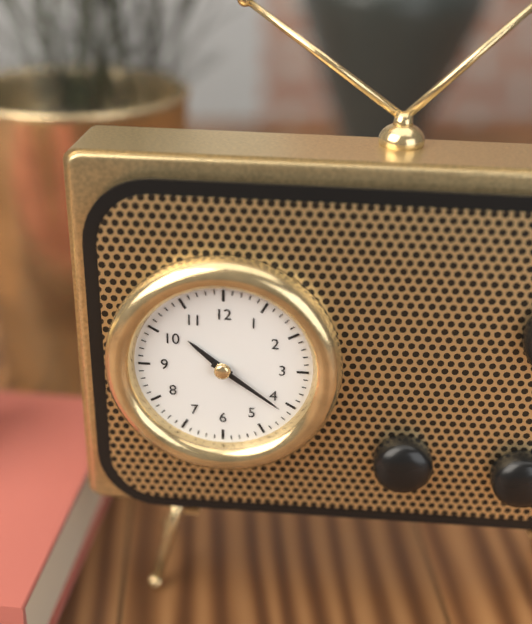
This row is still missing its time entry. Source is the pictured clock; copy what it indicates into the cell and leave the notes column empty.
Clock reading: 10:21
